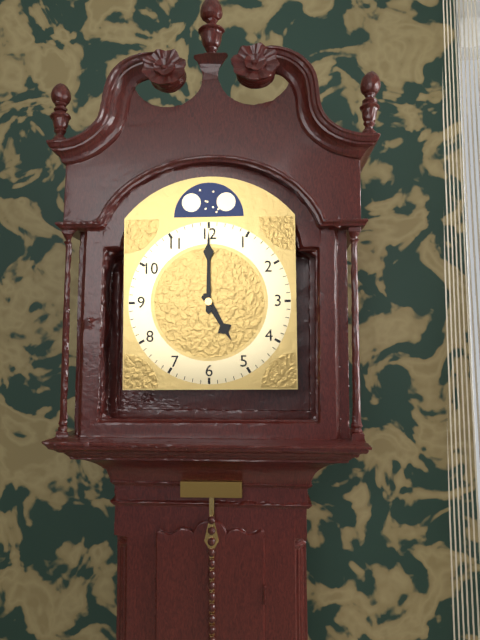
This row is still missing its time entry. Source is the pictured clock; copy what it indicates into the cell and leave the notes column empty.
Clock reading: 5:00
